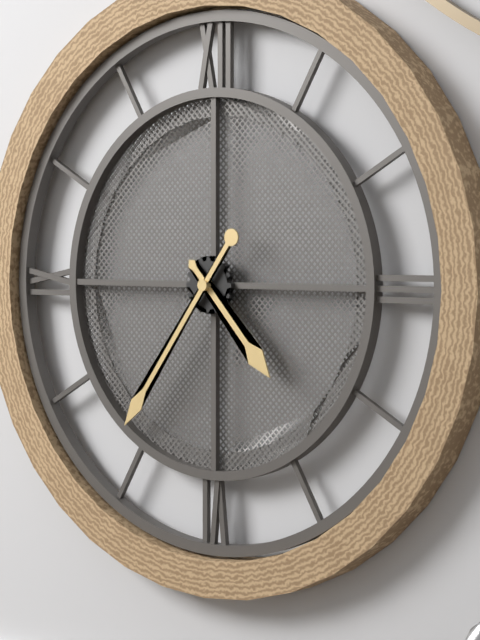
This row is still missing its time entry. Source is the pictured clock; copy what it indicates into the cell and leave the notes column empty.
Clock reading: 4:36
